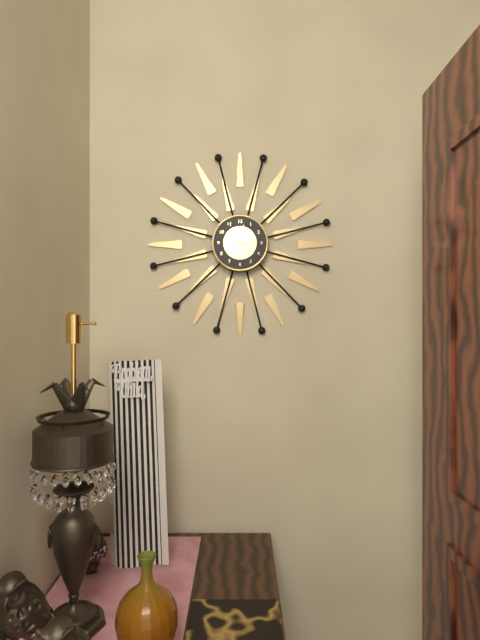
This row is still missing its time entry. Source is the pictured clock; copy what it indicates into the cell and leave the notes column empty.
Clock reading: 3:02
